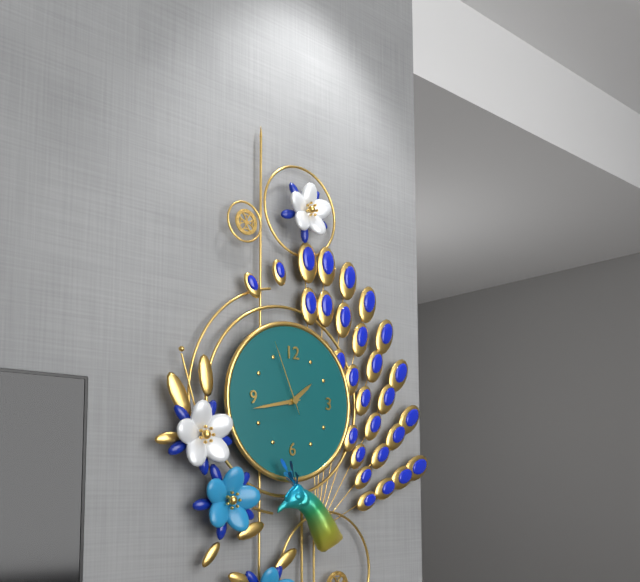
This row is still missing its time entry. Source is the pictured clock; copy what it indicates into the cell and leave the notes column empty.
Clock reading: 1:43:56
